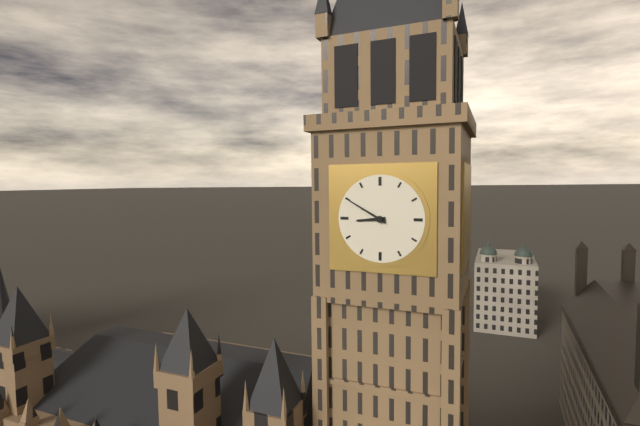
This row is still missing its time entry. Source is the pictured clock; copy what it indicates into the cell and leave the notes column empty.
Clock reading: 8:50
